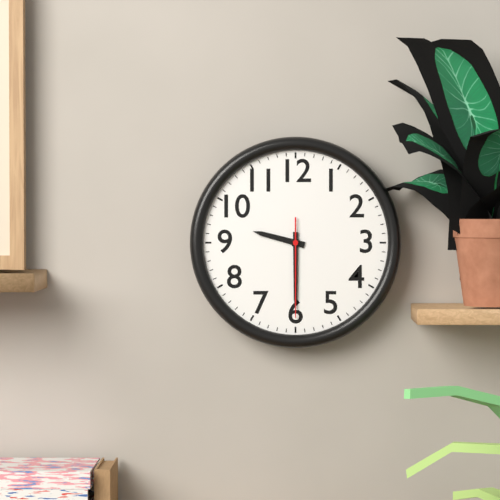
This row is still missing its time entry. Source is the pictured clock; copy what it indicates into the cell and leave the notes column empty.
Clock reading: 9:30:30
